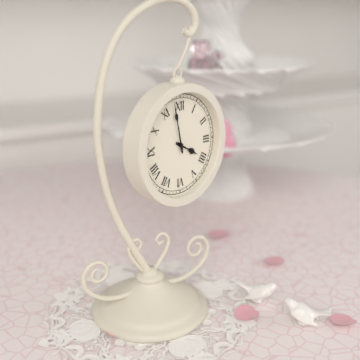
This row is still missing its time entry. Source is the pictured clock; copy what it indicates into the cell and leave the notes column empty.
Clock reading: 3:58
